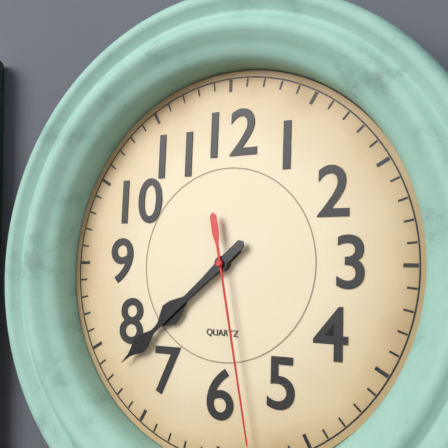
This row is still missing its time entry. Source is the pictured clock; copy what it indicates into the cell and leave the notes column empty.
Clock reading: 7:38:28
